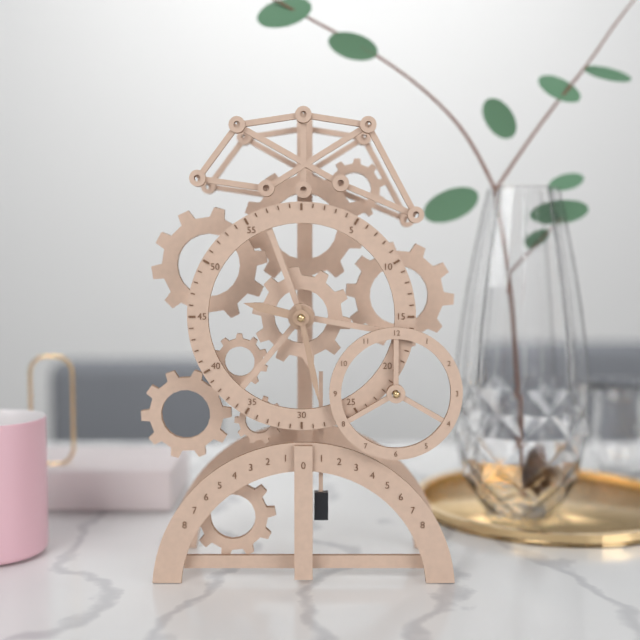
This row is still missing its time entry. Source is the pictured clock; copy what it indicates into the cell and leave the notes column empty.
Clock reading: 9:28
